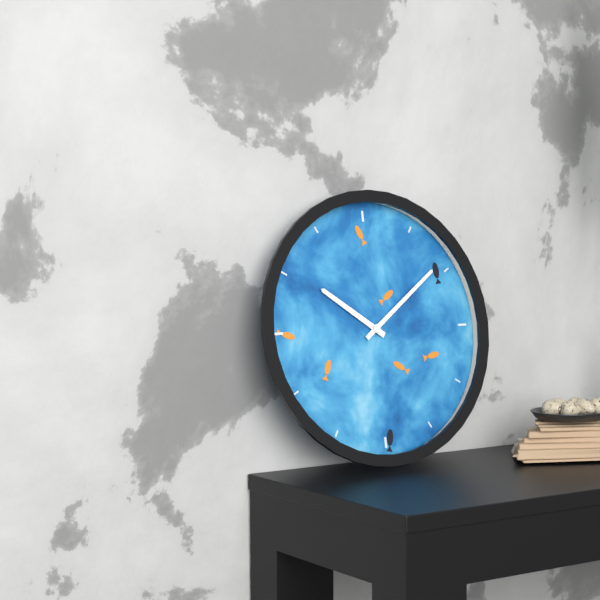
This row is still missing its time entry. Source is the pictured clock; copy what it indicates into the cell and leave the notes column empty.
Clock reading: 10:09
